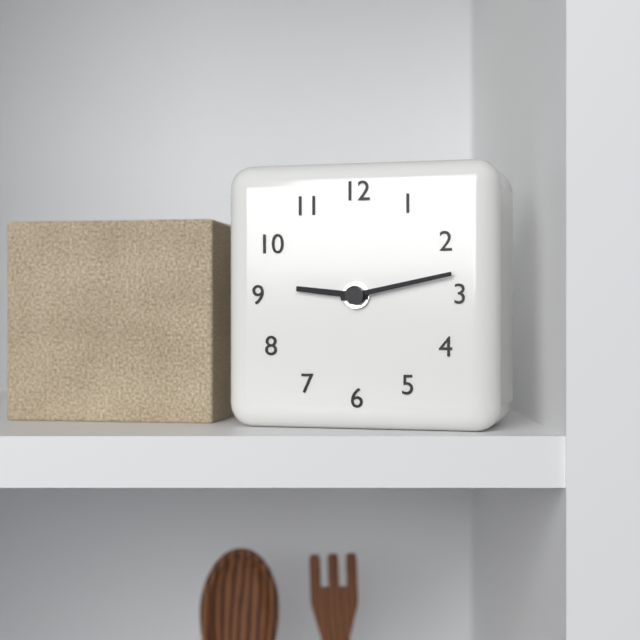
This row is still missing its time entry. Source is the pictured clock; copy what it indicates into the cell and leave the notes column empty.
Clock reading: 9:13
